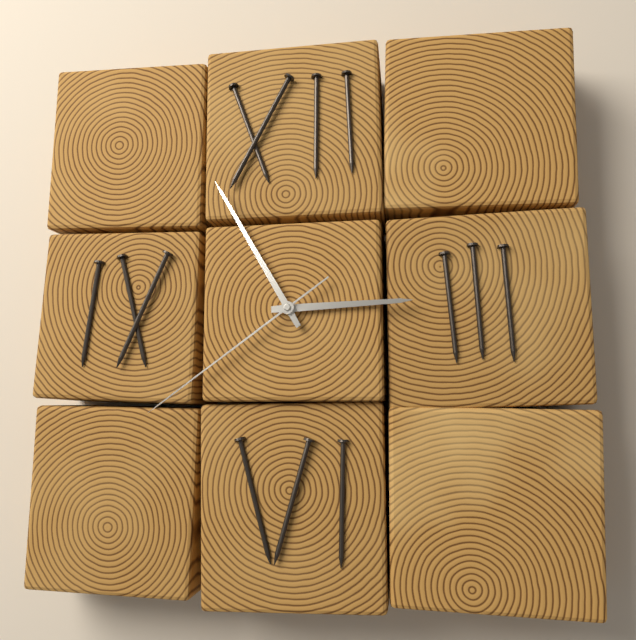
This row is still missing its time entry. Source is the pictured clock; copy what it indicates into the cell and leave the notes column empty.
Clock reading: 2:55:39
